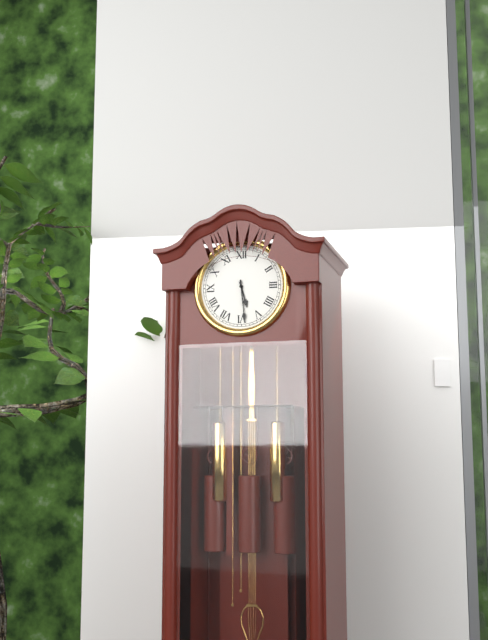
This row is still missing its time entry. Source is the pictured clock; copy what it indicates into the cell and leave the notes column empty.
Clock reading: 5:29
